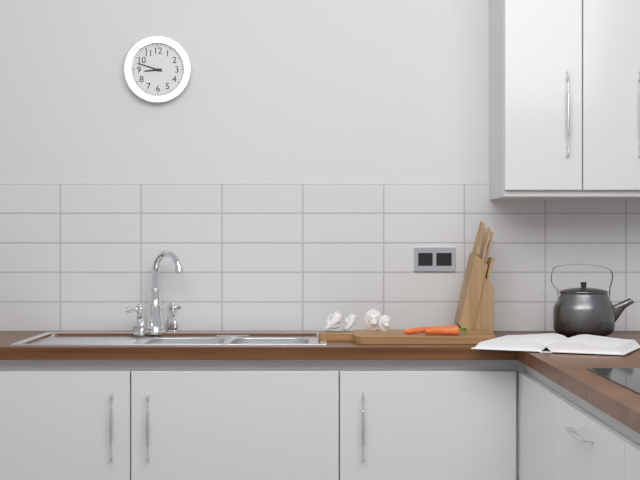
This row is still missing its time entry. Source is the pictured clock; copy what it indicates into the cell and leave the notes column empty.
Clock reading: 8:48
